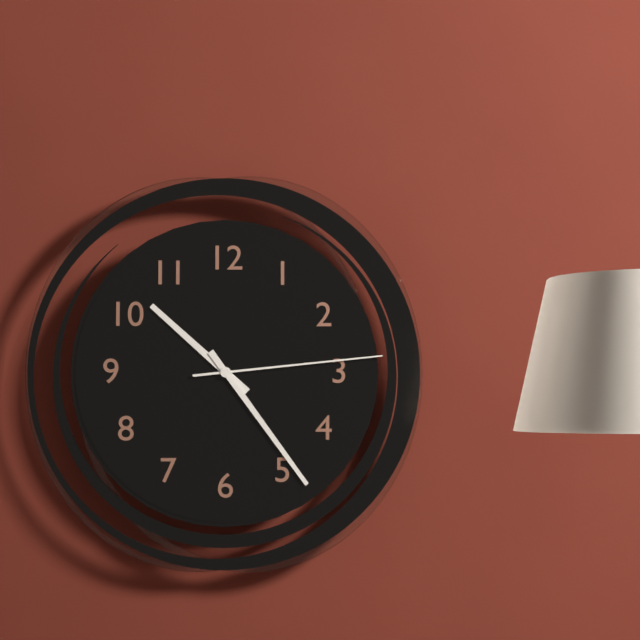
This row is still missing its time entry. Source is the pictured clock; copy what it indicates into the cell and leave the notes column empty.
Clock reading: 10:24:14
